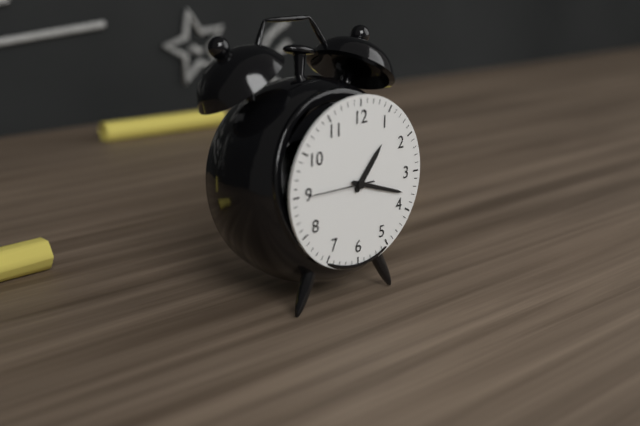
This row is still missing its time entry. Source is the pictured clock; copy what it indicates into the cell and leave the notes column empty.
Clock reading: 1:18
